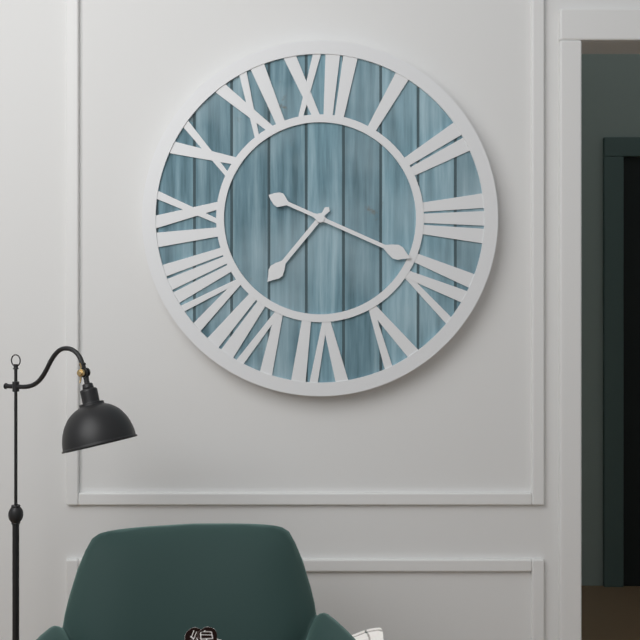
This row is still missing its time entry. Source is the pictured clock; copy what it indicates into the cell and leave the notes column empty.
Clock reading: 7:19
